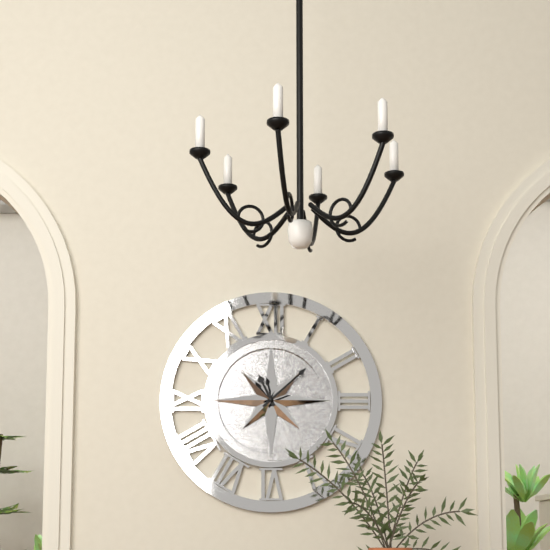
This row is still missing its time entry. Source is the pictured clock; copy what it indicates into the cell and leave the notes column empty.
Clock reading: 11:08
